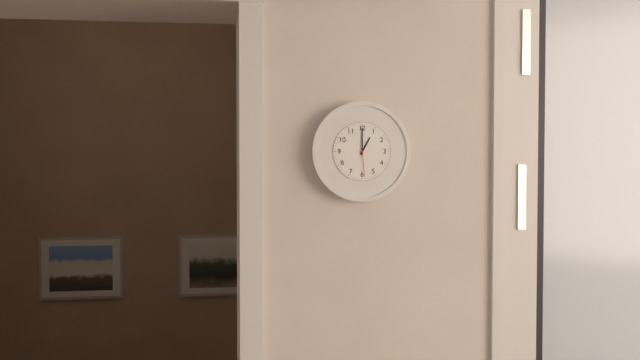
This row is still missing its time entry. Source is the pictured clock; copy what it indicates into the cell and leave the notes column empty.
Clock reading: 1:00
